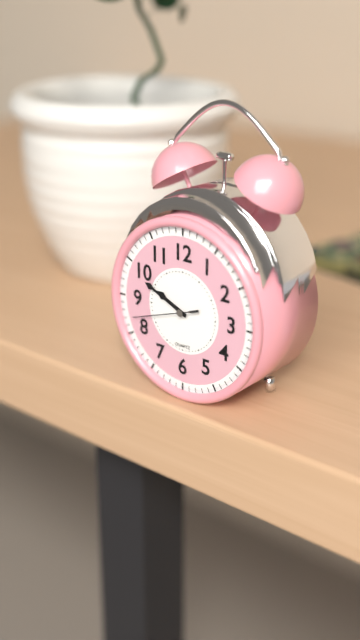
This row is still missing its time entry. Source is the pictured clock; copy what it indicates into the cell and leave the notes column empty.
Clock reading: 9:49:42
